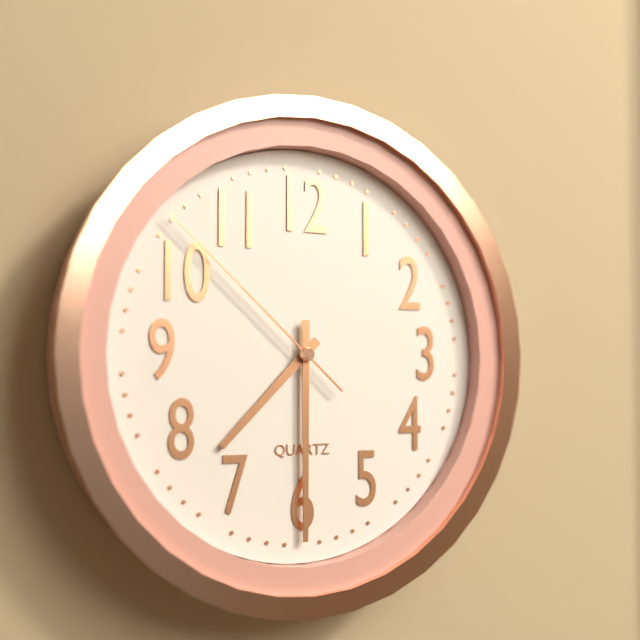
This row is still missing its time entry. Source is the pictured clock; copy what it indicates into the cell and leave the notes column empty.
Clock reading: 7:30:52
